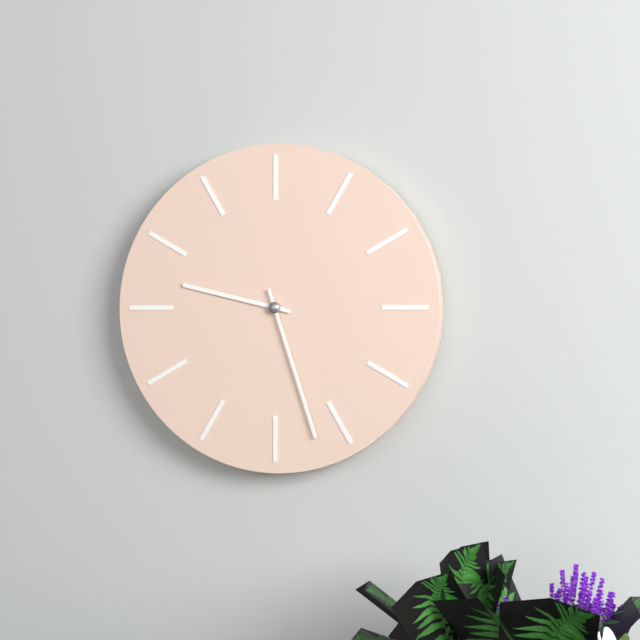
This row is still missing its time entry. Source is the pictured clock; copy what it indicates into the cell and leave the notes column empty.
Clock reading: 9:27
